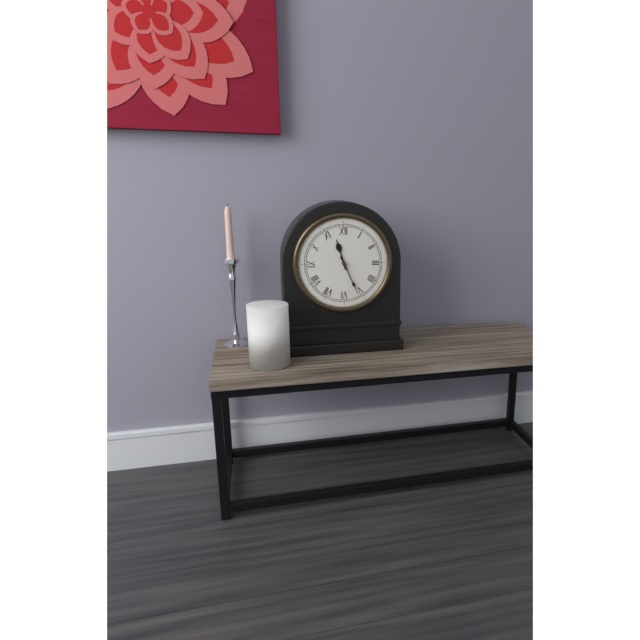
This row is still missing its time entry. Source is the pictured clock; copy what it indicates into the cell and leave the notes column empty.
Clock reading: 11:26
